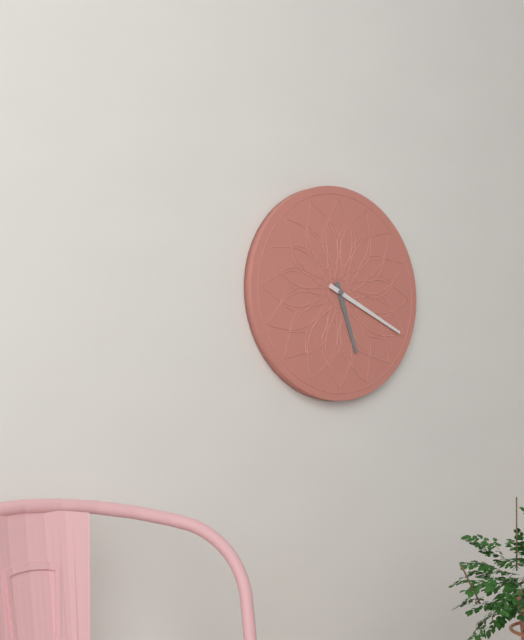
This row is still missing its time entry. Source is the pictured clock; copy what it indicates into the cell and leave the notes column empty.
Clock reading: 5:19
